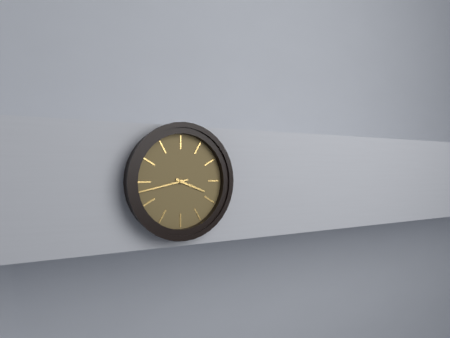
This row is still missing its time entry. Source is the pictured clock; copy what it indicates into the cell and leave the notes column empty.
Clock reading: 3:43
